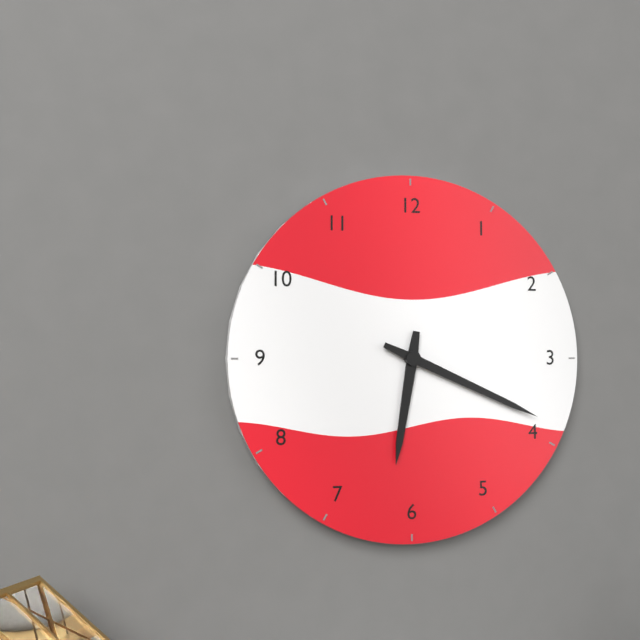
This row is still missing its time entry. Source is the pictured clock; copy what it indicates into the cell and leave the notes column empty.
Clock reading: 6:19
